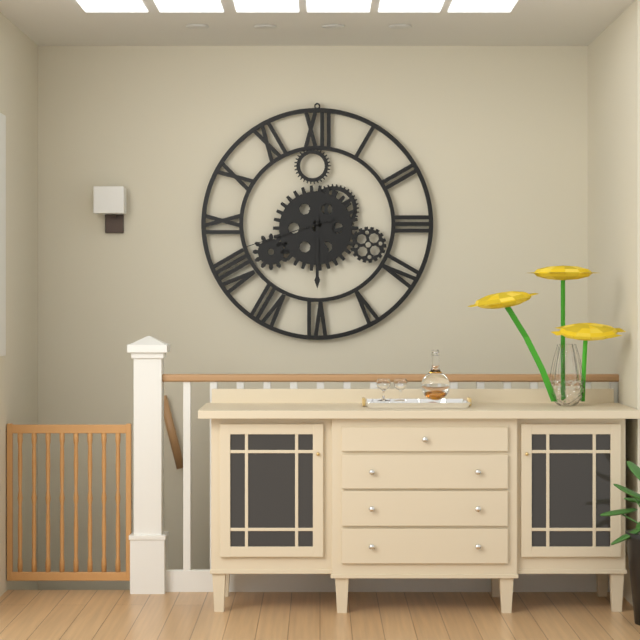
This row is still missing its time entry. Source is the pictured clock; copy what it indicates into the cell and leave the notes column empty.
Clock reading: 5:30:42
